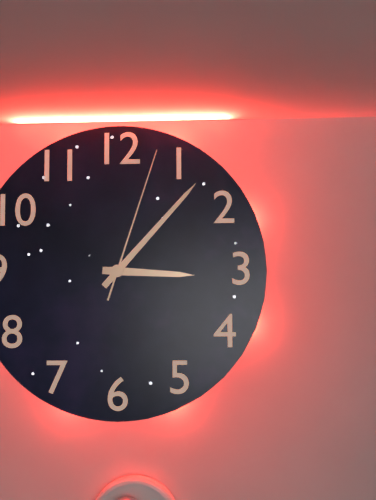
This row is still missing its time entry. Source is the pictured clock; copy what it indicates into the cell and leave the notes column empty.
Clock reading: 3:07:03
